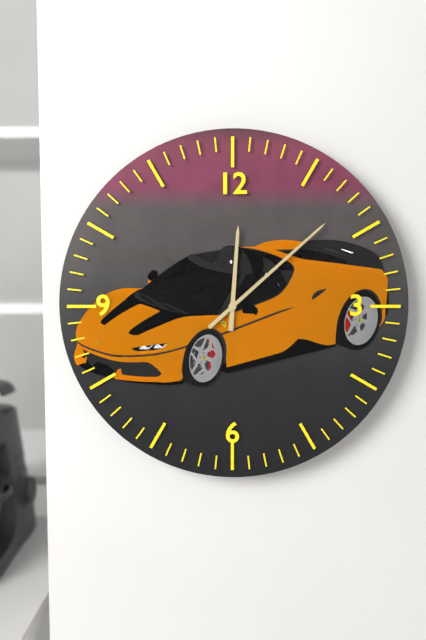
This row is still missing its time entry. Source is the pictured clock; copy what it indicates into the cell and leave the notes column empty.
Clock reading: 12:08
